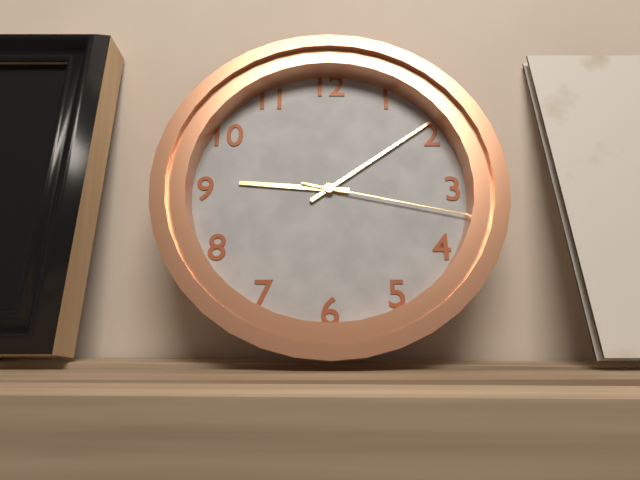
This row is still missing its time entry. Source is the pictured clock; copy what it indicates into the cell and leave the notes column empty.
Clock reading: 9:09:17
